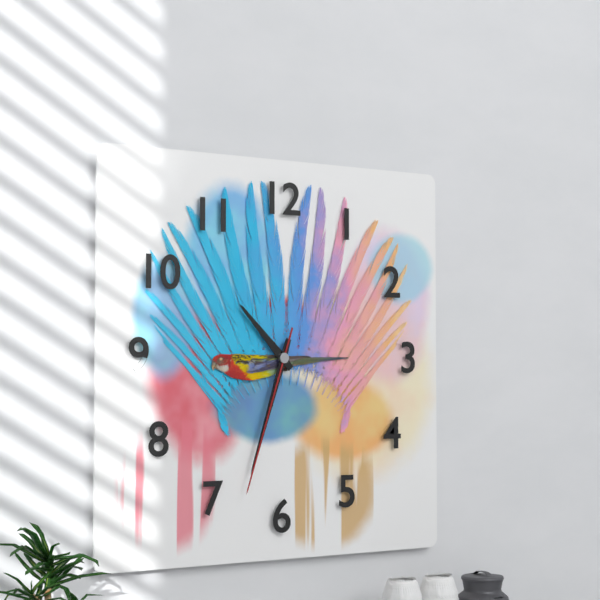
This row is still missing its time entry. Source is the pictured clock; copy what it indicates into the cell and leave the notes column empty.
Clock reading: 10:33:33
